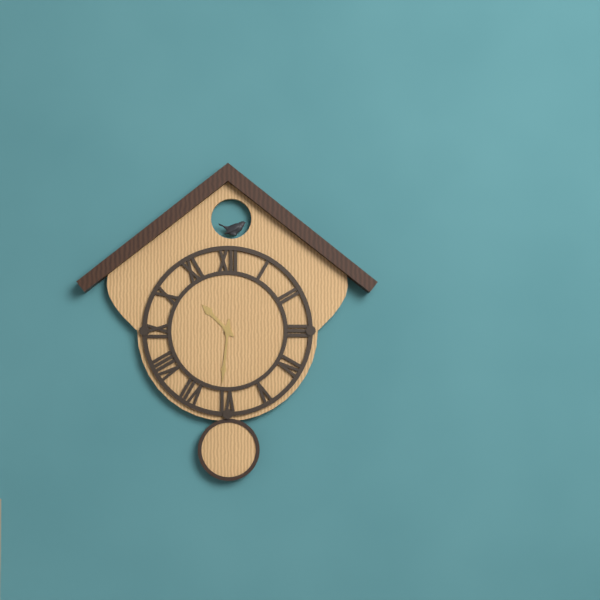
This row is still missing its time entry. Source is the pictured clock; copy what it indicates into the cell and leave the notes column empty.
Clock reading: 10:31
